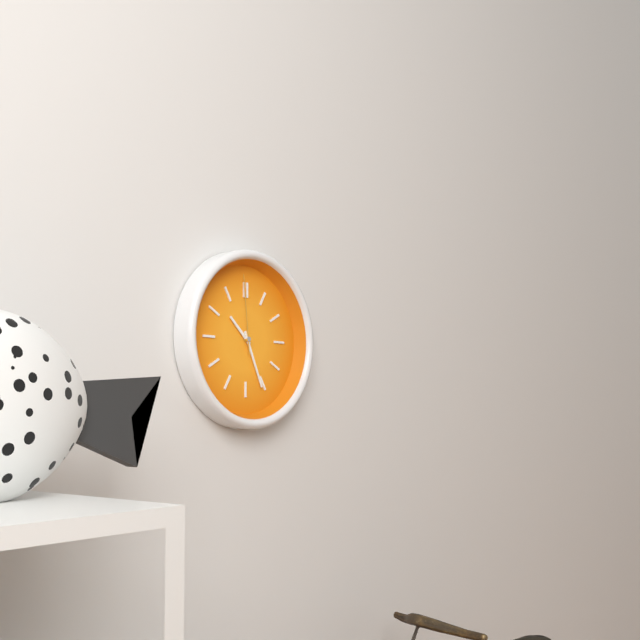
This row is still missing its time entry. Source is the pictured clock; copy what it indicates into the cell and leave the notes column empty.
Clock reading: 10:26:59
